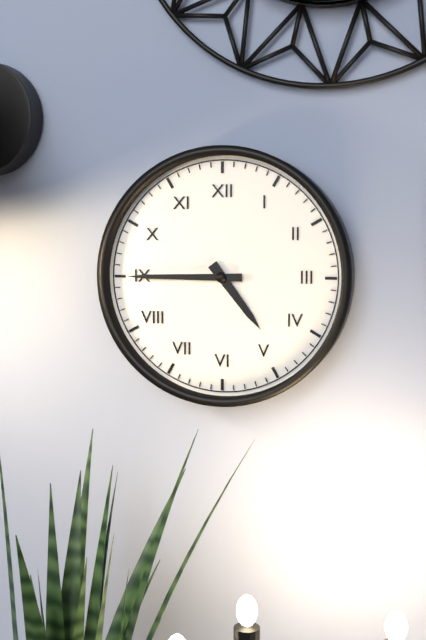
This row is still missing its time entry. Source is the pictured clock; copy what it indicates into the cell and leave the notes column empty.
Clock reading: 4:45
